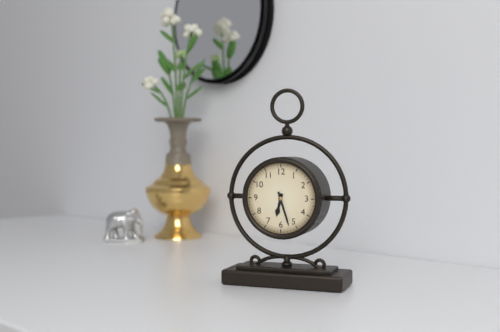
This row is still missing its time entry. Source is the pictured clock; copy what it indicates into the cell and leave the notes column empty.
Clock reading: 6:27
